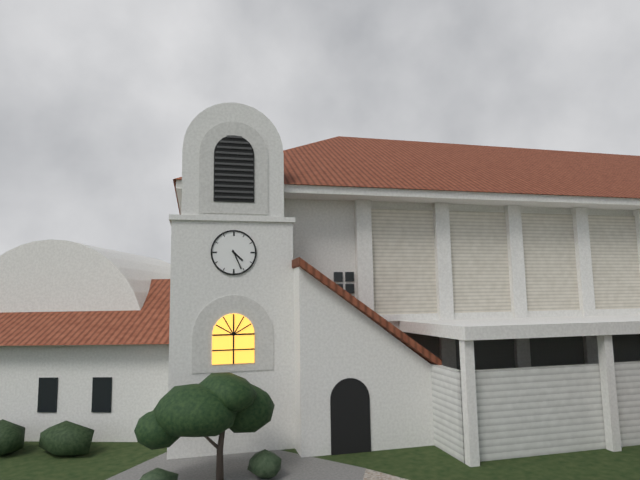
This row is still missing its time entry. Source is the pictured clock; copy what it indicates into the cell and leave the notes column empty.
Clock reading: 4:26
